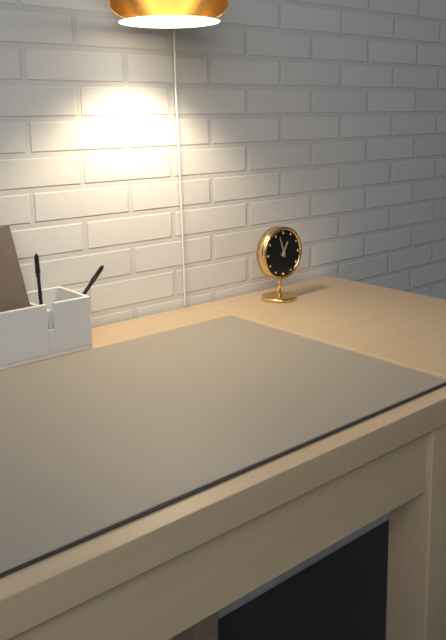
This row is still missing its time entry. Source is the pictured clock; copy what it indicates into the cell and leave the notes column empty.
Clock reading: 12:57
